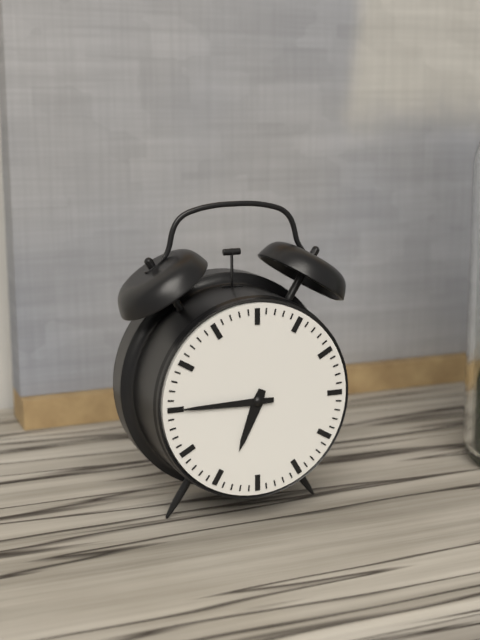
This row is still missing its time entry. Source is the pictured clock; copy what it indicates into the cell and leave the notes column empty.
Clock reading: 6:45
